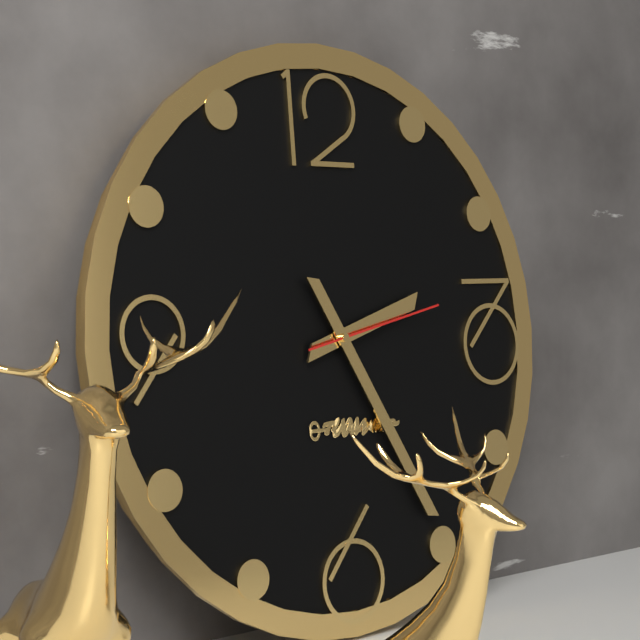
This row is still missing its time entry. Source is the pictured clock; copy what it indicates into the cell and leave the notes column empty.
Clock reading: 2:25:13
